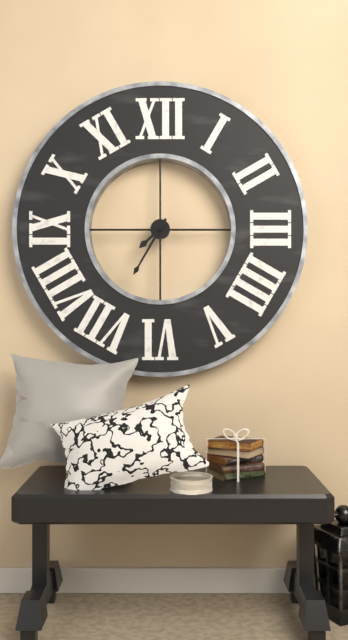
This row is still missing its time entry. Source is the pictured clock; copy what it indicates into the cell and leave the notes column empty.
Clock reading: 7:35
